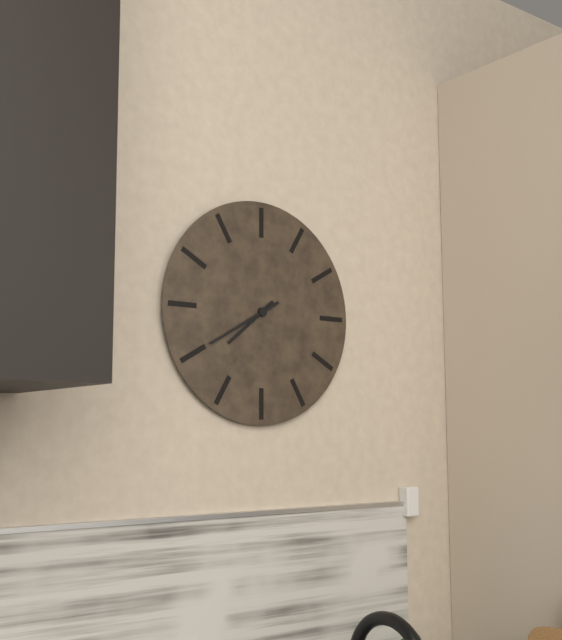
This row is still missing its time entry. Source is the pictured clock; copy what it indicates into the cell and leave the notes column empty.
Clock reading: 7:40
